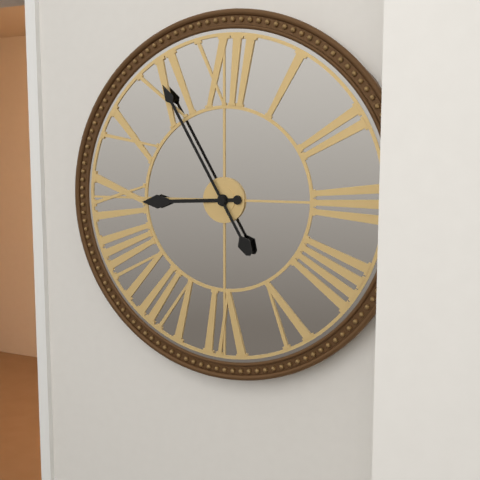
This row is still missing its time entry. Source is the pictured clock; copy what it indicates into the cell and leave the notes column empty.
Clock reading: 8:55
